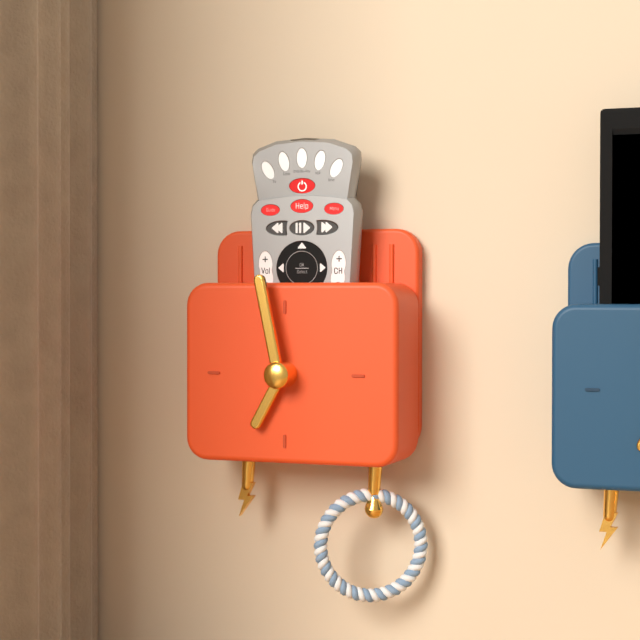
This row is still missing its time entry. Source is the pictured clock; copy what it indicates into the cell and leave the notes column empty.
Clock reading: 6:58
